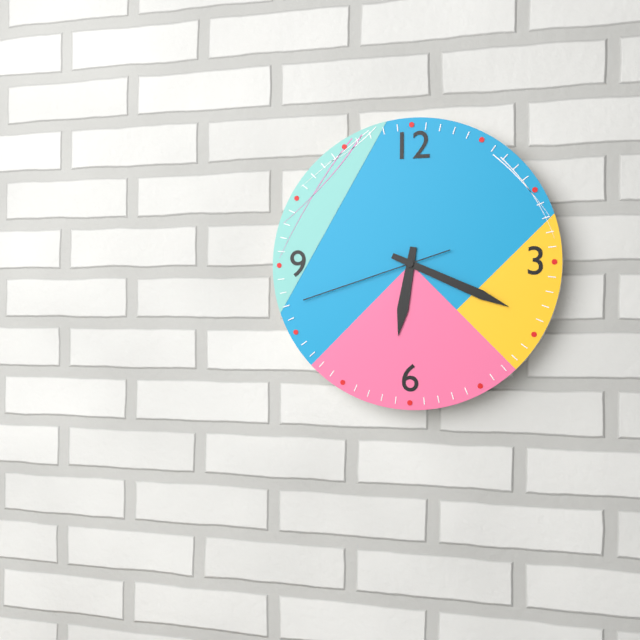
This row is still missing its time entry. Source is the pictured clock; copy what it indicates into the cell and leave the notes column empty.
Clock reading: 6:19:42
